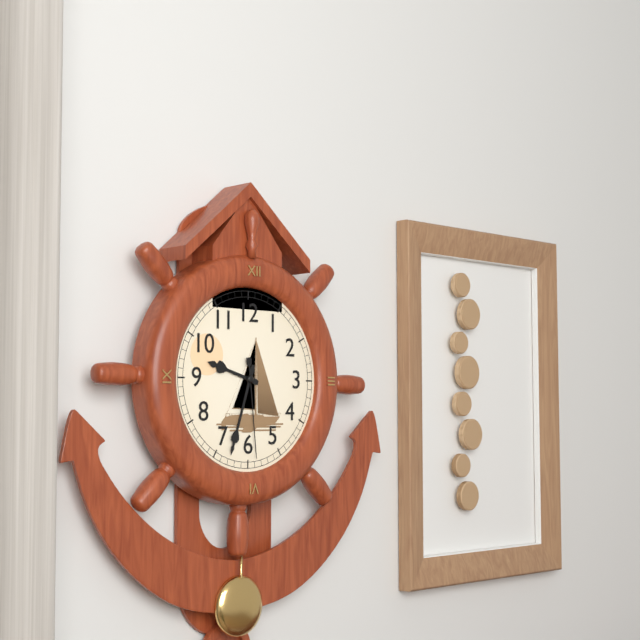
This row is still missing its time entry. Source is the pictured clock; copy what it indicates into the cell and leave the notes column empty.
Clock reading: 9:33:29
